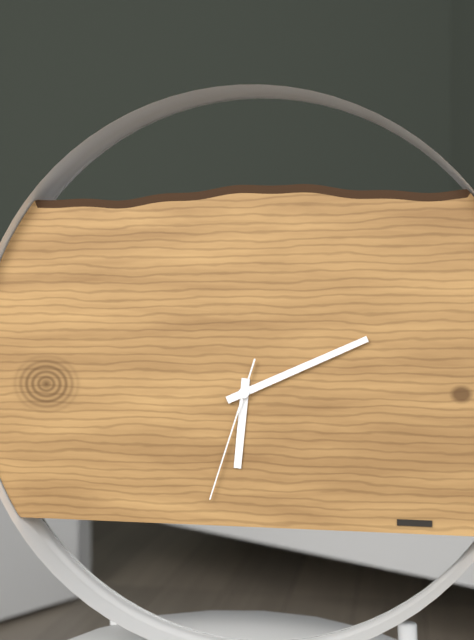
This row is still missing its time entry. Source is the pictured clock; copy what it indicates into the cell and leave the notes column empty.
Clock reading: 6:11:33
